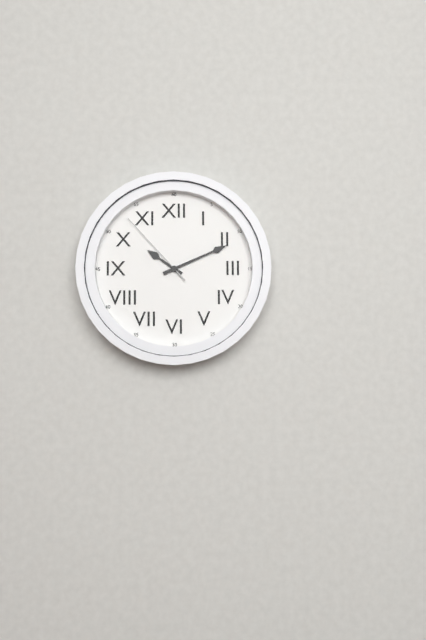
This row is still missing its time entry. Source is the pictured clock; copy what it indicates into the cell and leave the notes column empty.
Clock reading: 10:11:53
